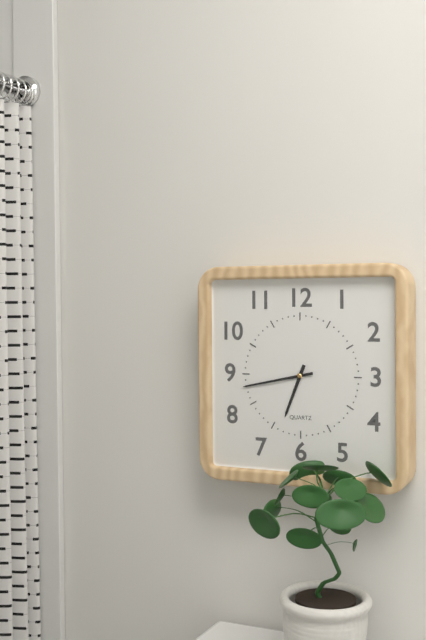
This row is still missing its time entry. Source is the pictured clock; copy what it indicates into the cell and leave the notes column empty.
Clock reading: 6:43
